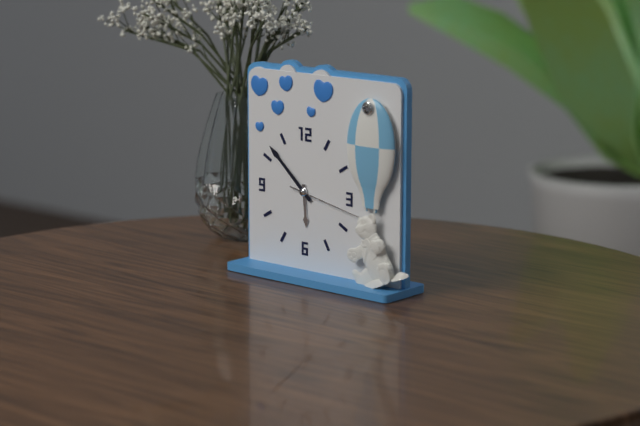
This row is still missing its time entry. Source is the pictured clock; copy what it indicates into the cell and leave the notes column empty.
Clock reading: 5:52:17
